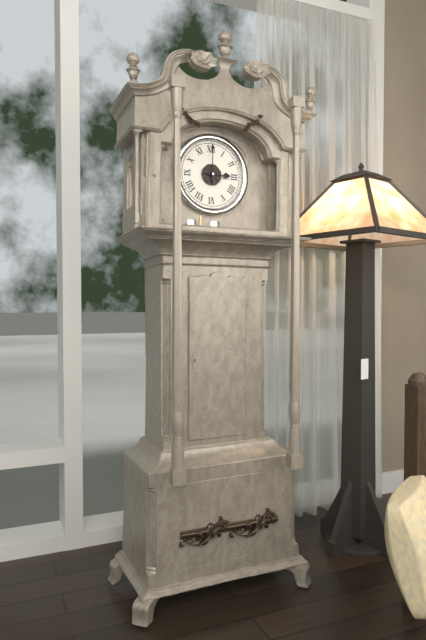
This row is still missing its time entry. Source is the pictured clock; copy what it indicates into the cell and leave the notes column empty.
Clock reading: 3:00
